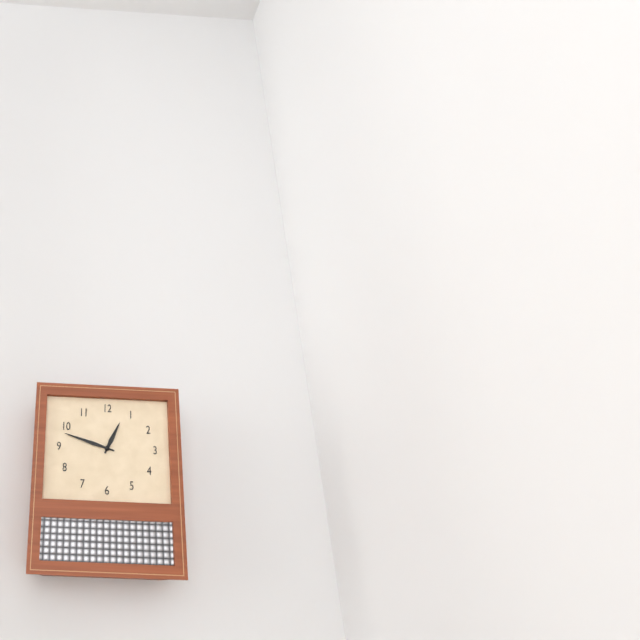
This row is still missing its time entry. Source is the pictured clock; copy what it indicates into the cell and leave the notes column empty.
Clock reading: 12:48
